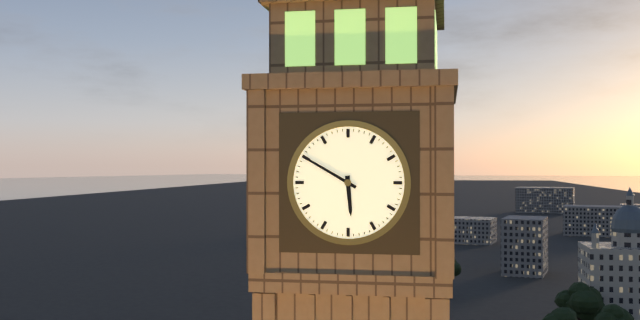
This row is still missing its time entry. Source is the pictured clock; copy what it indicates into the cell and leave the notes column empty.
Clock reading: 5:50
